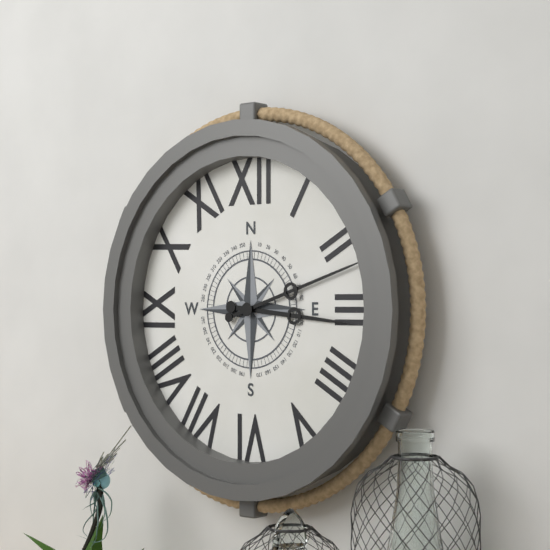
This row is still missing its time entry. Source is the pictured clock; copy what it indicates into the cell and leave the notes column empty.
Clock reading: 3:12
